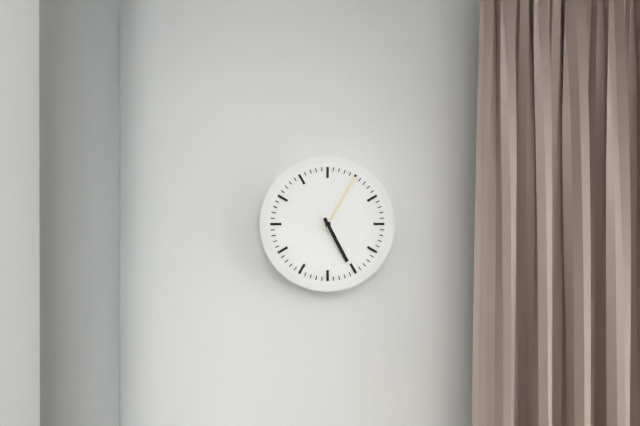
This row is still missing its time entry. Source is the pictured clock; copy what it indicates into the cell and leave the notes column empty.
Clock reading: 5:05
